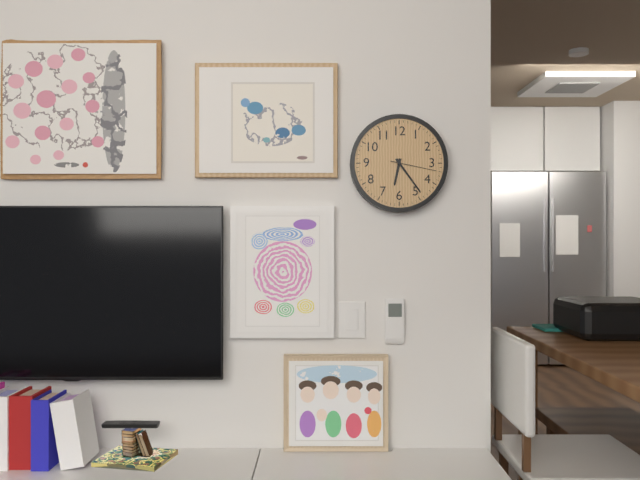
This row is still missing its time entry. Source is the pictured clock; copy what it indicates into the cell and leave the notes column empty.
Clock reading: 6:24
